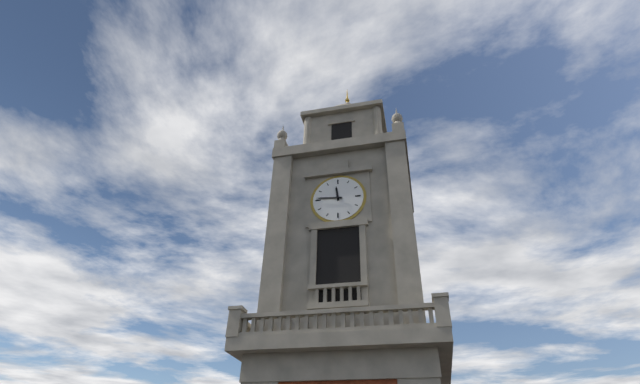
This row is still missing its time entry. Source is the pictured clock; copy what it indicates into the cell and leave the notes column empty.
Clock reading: 11:46
